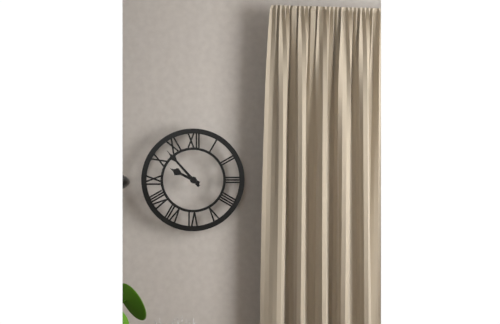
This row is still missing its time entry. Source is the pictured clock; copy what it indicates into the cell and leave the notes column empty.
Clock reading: 9:53
